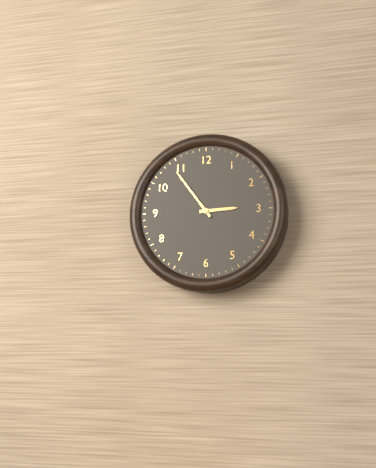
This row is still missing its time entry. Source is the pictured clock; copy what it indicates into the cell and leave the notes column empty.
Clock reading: 2:54
